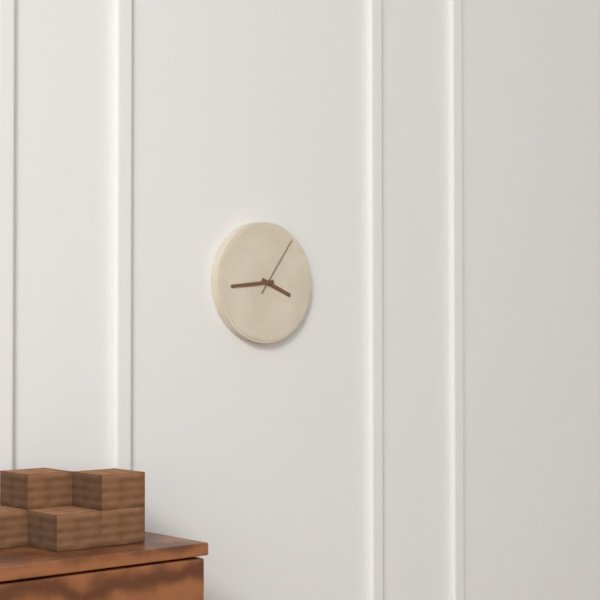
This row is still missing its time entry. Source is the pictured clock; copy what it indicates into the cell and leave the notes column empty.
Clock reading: 3:44:06
